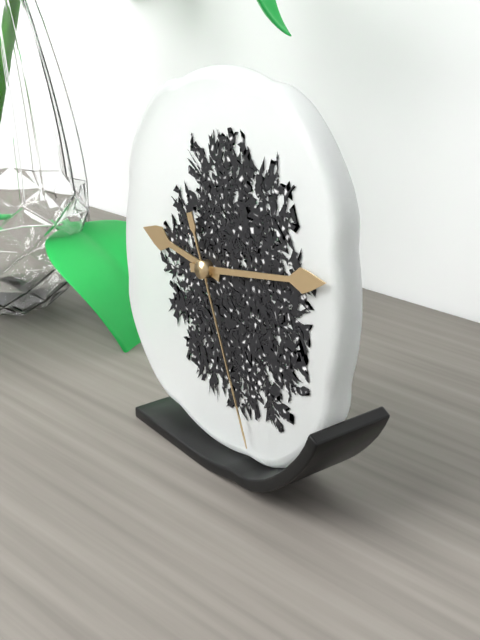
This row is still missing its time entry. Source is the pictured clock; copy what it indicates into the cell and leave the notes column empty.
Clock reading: 9:13:26
